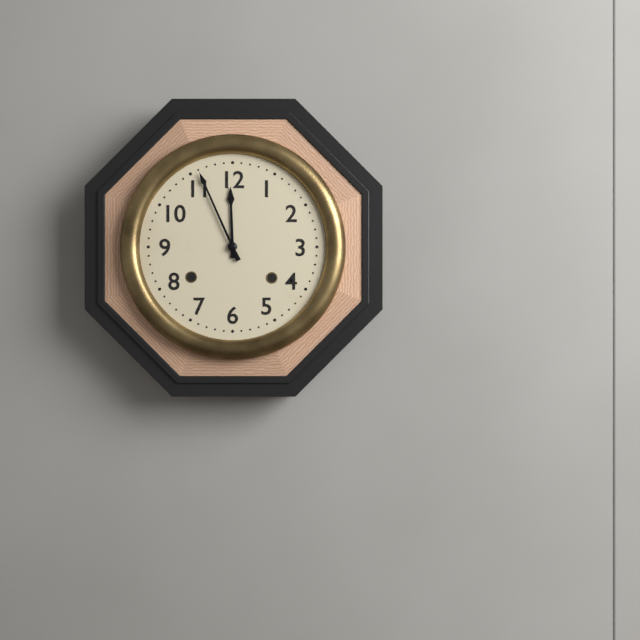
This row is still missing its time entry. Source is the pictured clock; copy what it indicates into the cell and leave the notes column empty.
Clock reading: 11:56
